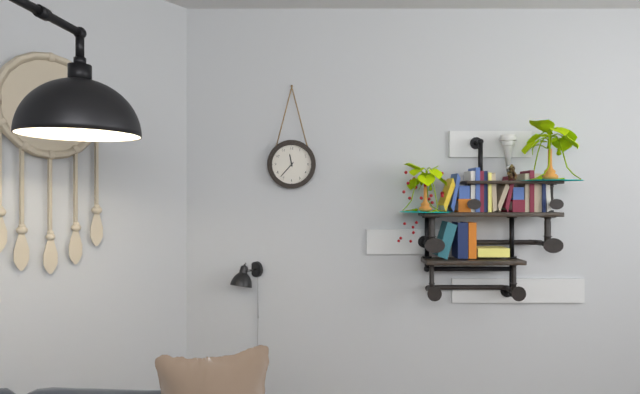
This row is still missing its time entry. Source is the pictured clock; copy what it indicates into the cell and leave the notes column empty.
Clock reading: 11:37
